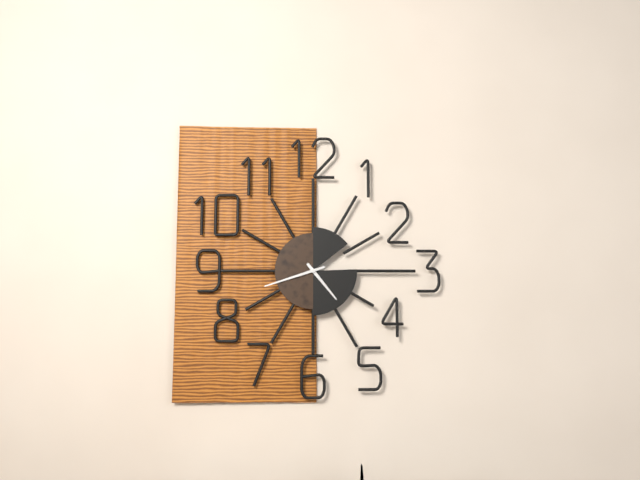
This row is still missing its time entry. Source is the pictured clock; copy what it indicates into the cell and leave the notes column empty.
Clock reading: 4:42
